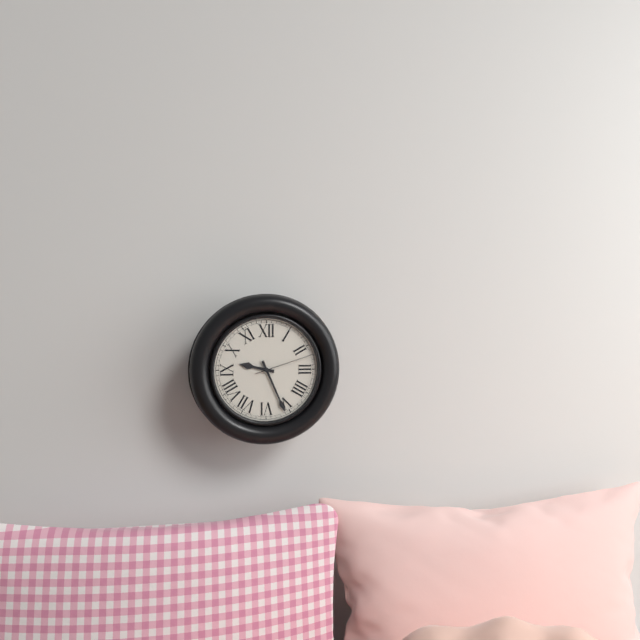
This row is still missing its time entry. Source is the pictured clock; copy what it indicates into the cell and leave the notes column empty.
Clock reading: 9:26:12
